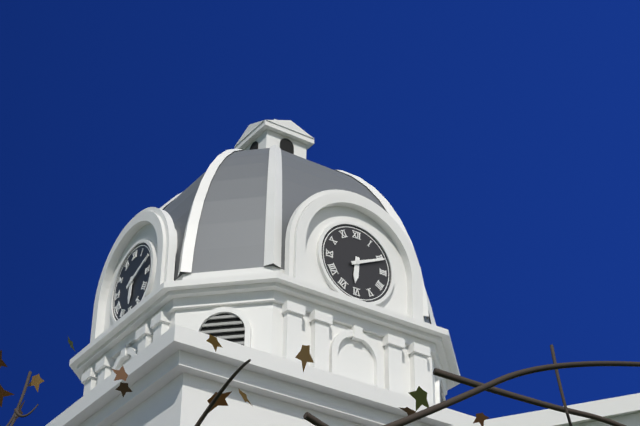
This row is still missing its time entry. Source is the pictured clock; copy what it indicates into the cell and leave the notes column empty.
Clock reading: 6:11
